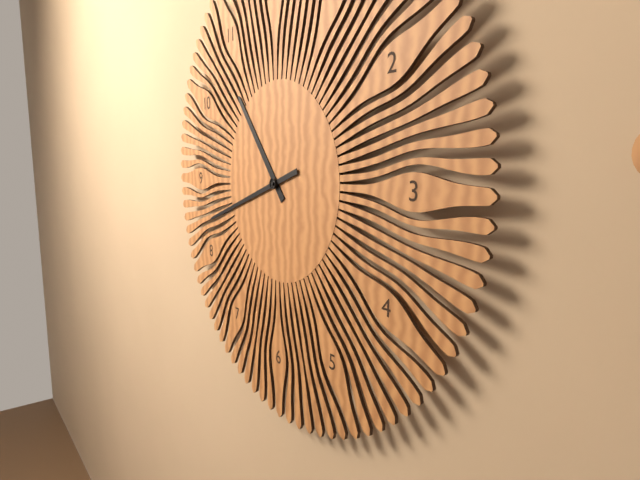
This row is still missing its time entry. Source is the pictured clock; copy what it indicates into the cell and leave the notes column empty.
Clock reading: 10:42
